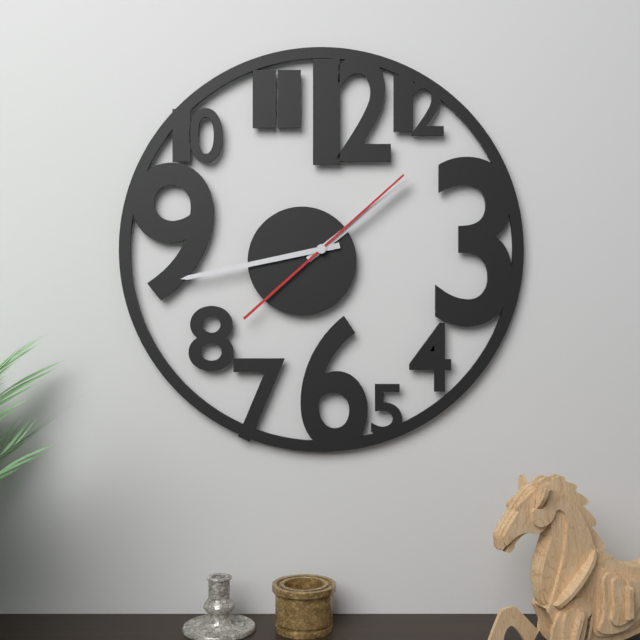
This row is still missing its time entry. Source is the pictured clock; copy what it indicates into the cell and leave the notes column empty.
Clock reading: 1:43:08
